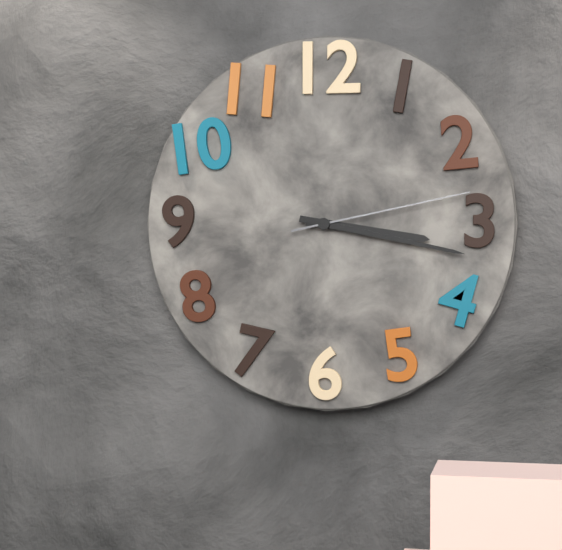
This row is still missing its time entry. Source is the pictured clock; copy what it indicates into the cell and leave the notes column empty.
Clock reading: 3:17:13
